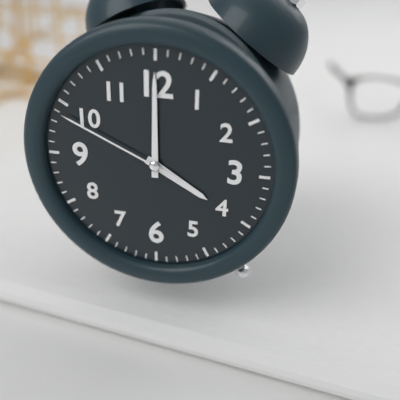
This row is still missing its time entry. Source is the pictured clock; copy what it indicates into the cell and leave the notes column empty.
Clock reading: 4:00:49
